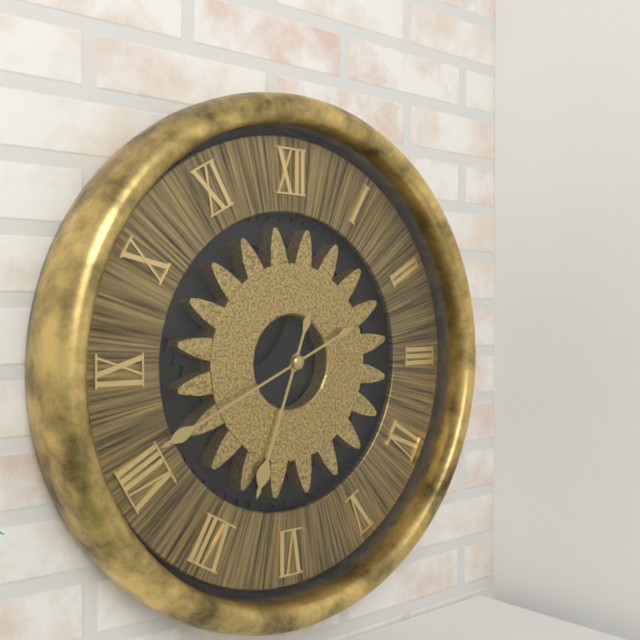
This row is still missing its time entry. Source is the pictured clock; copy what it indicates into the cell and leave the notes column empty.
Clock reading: 6:41
